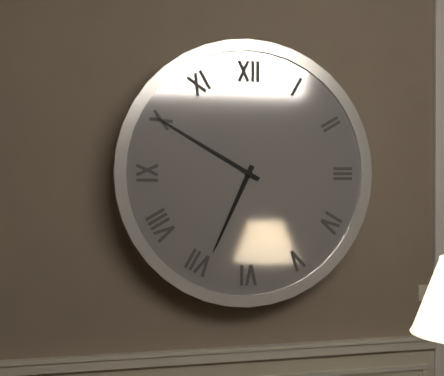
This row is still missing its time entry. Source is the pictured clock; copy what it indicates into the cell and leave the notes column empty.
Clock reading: 6:50
